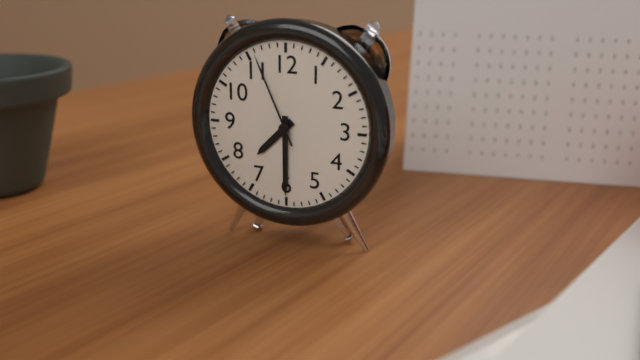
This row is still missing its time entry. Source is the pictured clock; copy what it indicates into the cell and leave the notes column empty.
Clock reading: 7:30:56
